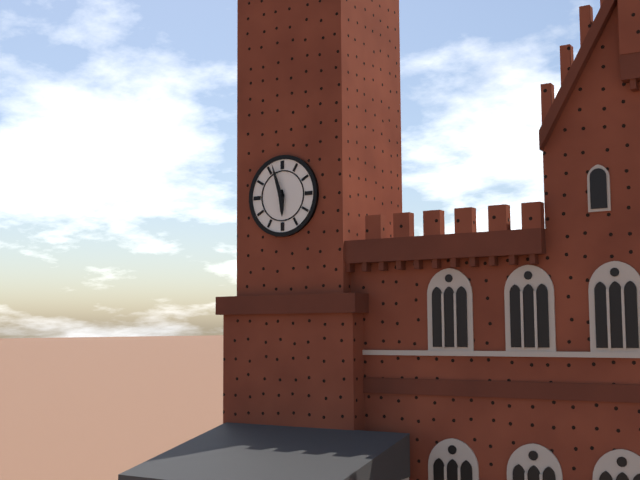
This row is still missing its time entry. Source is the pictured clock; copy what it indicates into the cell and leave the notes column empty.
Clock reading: 5:57
